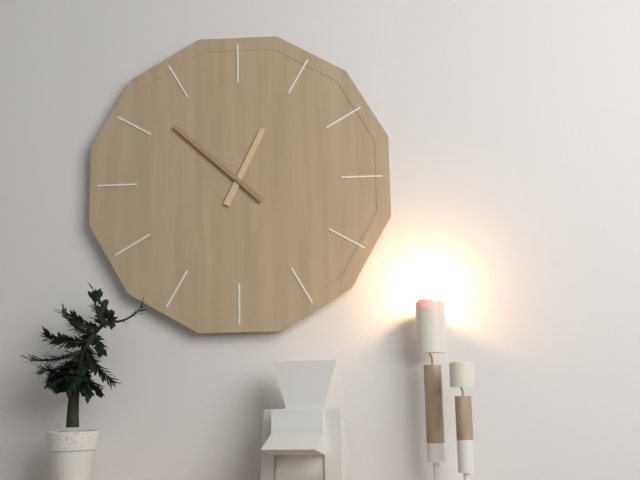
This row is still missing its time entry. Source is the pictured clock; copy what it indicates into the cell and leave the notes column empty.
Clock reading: 12:52
